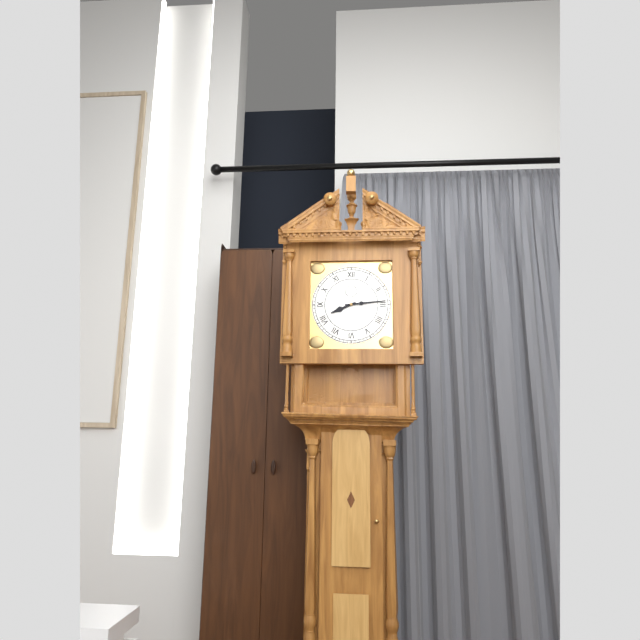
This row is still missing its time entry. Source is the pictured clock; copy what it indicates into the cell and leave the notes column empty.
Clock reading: 8:14
